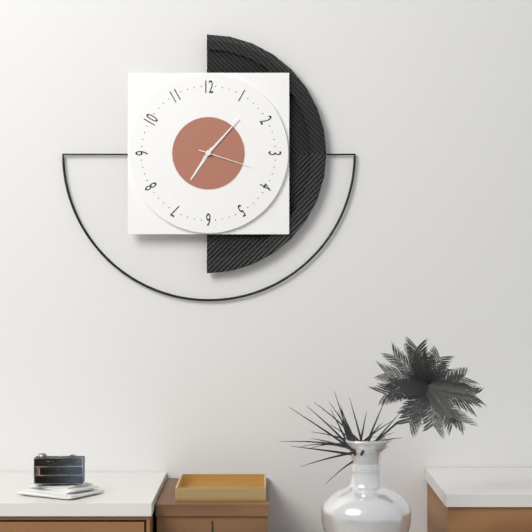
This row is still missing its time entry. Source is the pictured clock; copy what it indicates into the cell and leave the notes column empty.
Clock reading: 7:07:18
